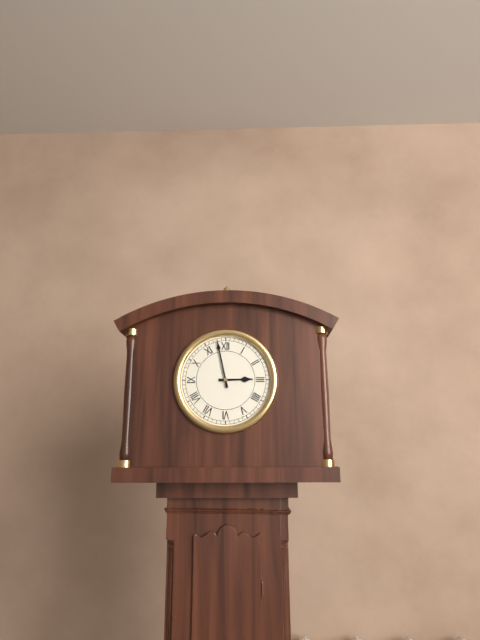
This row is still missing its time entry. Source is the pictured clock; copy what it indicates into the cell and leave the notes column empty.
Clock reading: 2:58
